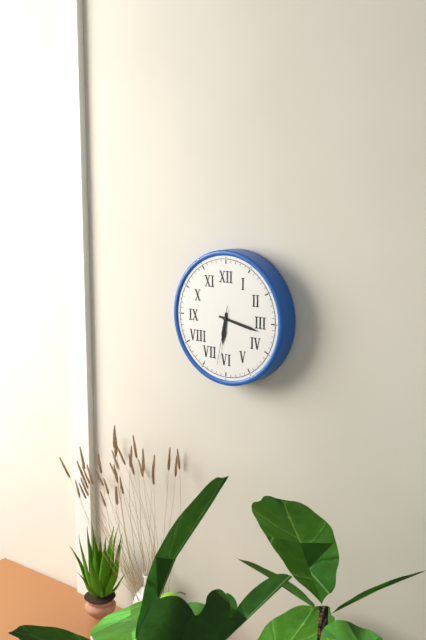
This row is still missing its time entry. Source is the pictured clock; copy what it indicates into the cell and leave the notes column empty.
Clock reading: 6:17:32
